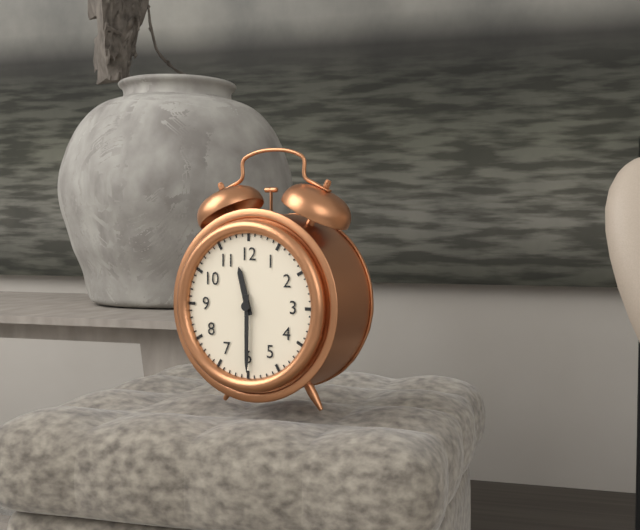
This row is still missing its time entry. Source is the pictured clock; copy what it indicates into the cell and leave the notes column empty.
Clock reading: 11:30
